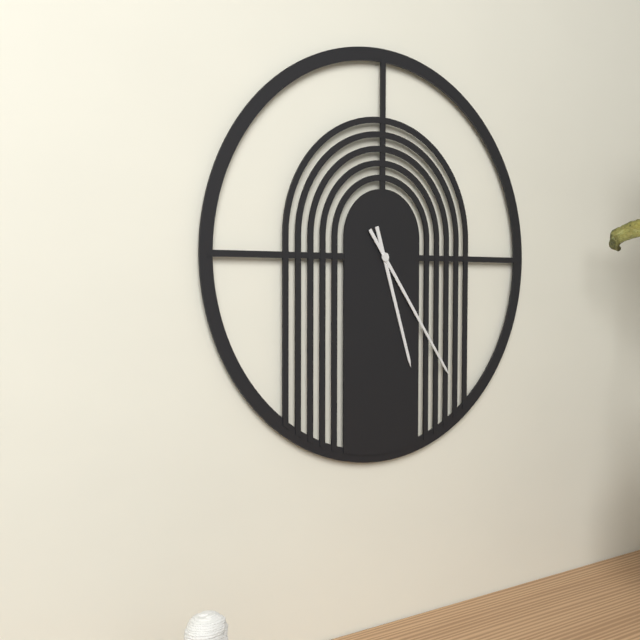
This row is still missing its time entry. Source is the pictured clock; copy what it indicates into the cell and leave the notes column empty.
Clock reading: 5:24
